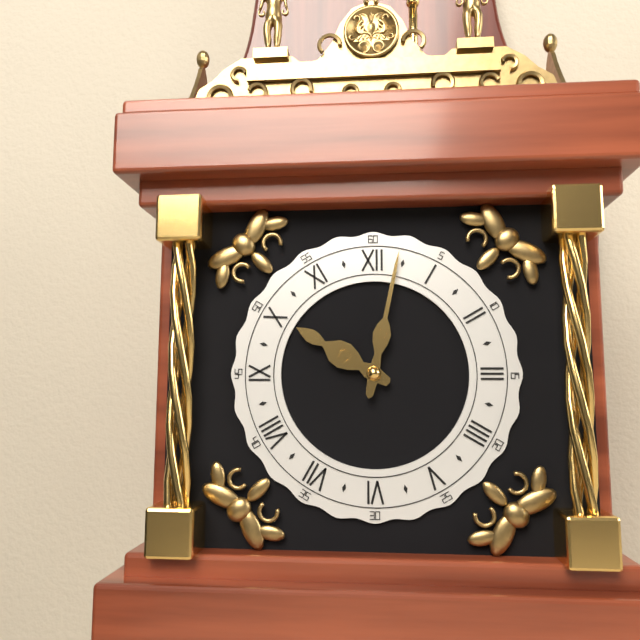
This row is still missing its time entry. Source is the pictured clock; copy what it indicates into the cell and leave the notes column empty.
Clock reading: 10:02
